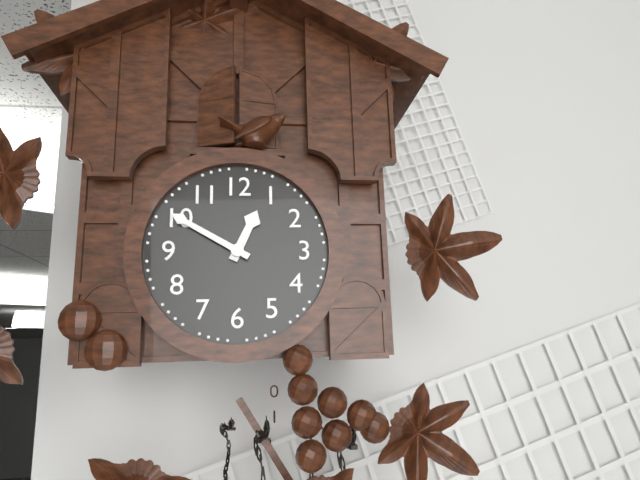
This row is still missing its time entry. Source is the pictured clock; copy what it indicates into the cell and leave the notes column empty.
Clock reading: 12:50
